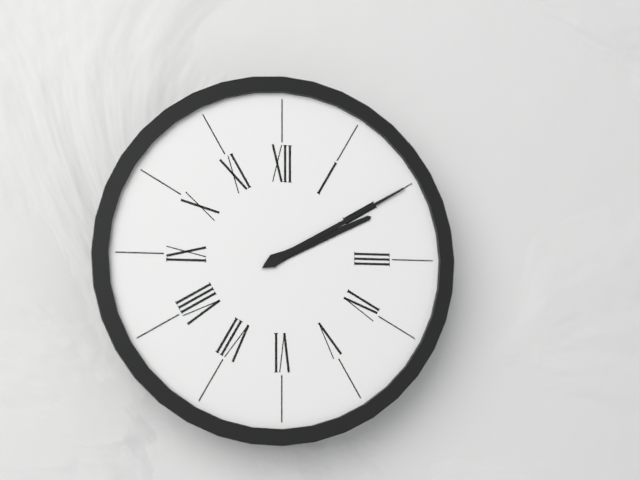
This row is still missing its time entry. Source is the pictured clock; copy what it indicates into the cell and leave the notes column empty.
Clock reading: 2:10
